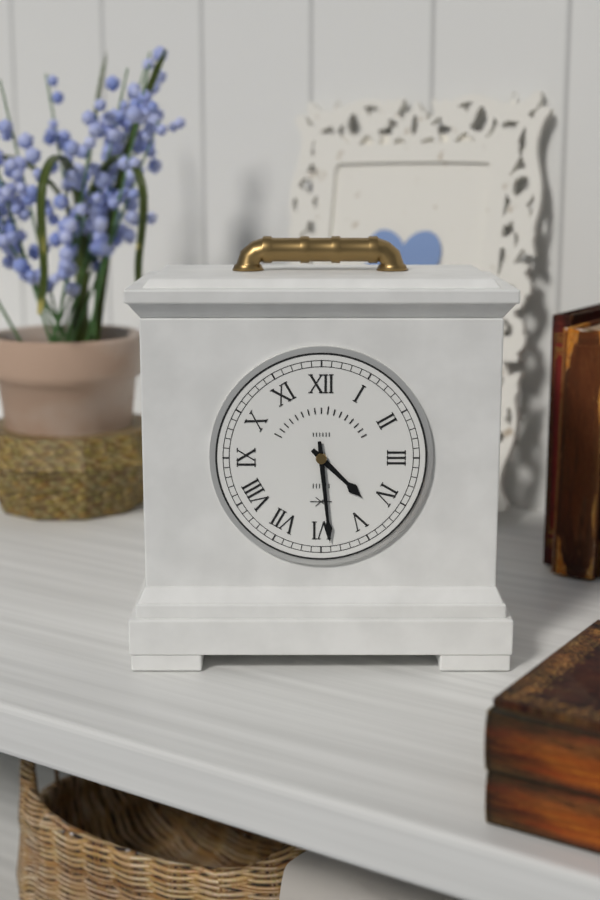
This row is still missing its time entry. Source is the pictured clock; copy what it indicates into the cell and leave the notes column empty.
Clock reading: 4:29
